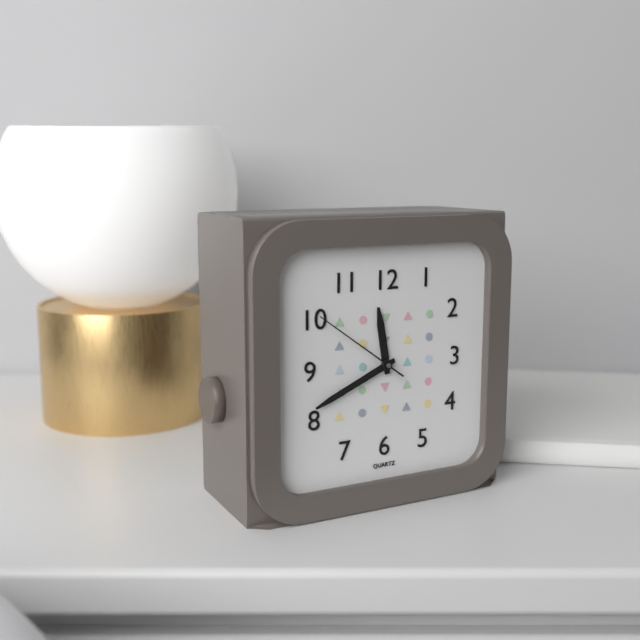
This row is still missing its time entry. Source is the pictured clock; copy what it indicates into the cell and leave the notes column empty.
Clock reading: 11:41:51
